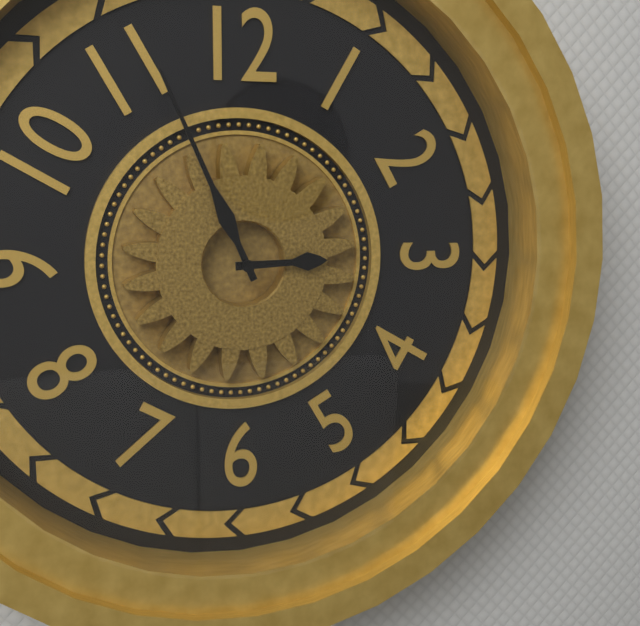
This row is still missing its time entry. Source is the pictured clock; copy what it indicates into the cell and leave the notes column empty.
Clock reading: 2:56
